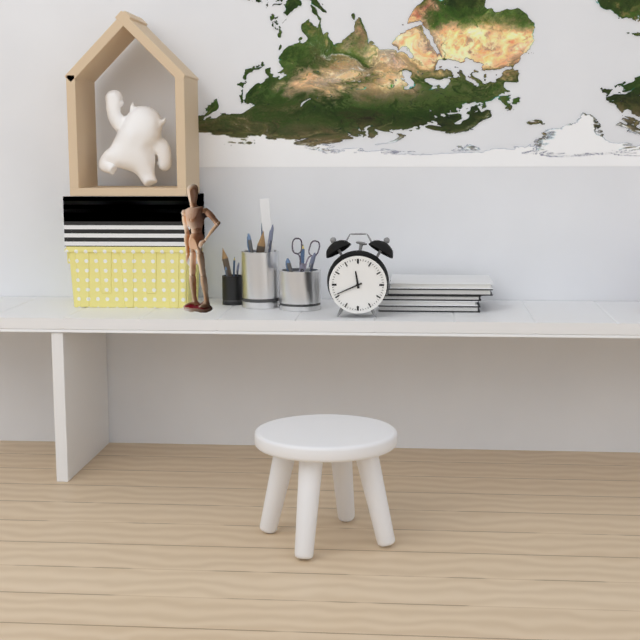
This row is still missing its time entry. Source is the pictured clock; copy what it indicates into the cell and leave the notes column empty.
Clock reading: 11:41
